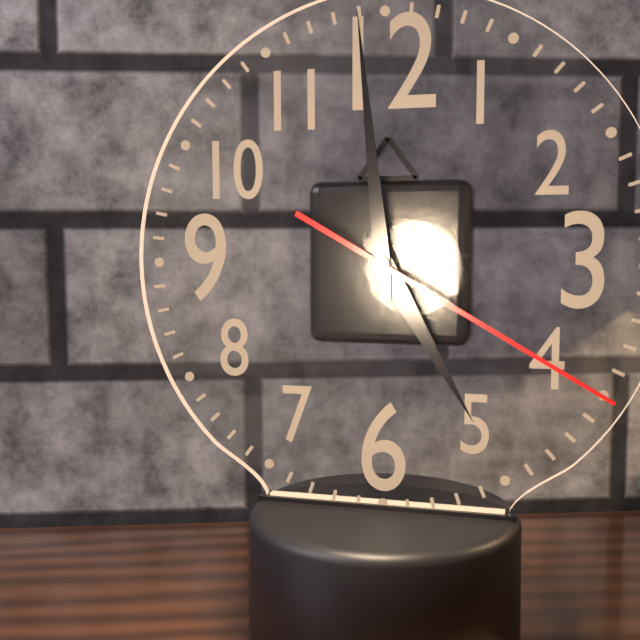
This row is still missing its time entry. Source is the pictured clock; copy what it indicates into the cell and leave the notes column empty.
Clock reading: 4:59:20
